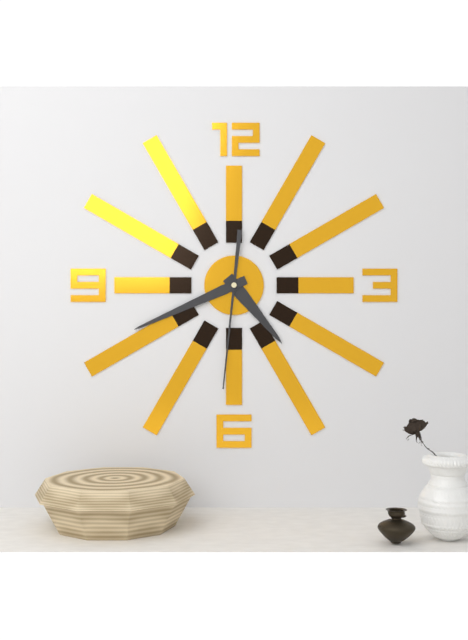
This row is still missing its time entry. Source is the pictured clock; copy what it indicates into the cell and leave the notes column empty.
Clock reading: 4:41:31
